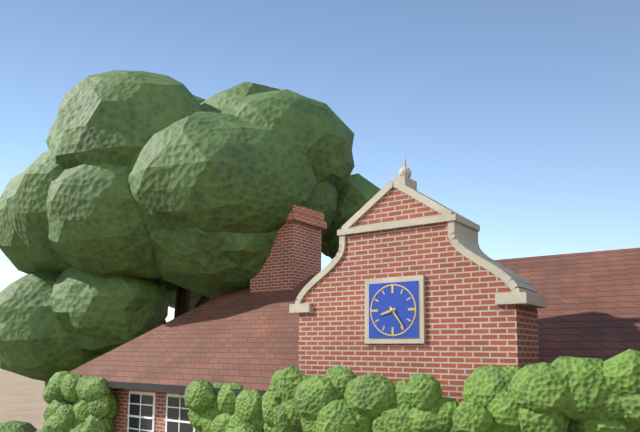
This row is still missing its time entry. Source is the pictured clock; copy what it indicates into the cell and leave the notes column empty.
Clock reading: 8:24
